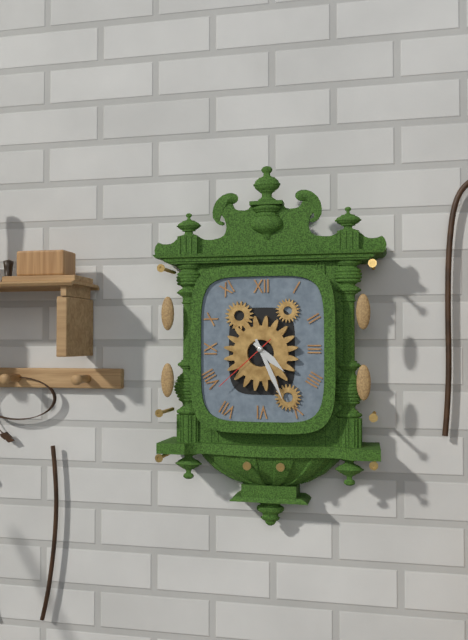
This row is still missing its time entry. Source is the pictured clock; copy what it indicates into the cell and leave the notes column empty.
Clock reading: 4:26:38
